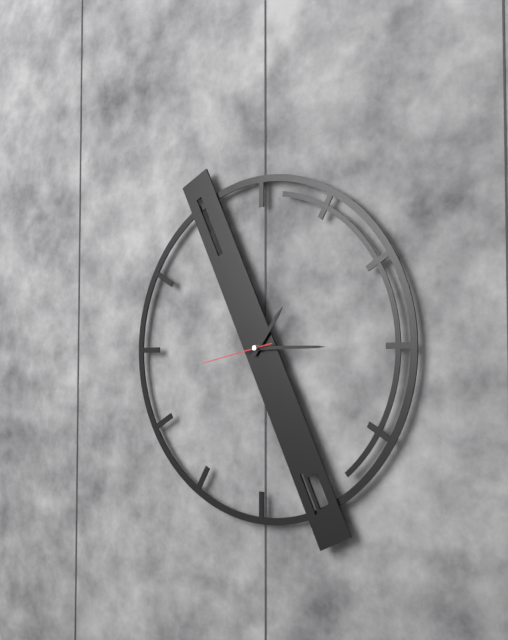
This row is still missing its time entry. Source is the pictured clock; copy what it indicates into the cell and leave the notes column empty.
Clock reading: 1:15:43
